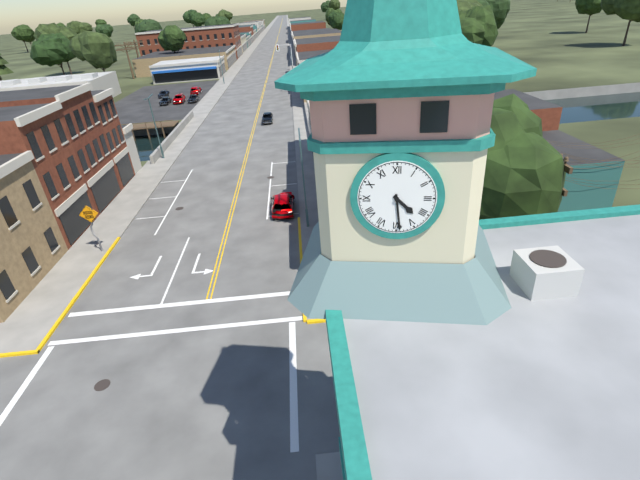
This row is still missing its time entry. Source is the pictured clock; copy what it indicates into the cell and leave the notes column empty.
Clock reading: 4:29
